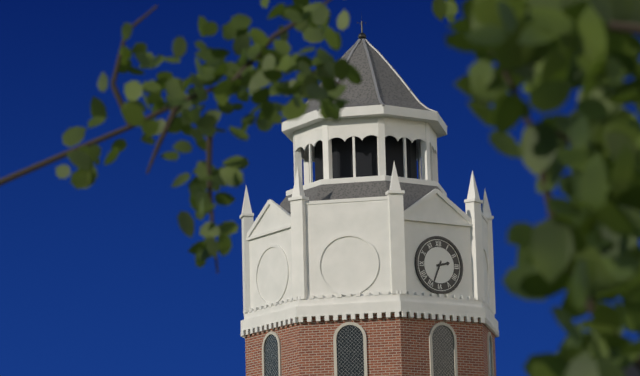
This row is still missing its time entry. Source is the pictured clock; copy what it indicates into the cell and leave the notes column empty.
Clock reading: 2:34
